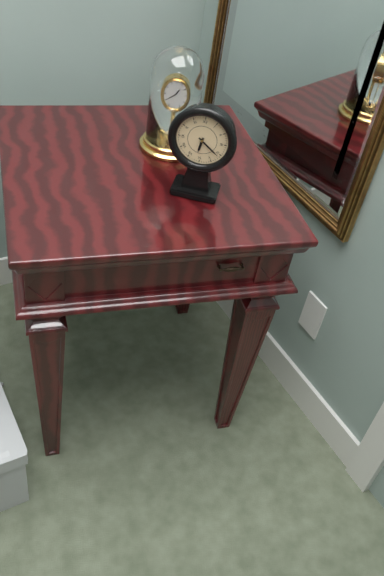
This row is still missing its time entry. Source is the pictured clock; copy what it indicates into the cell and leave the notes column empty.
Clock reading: 6:21
